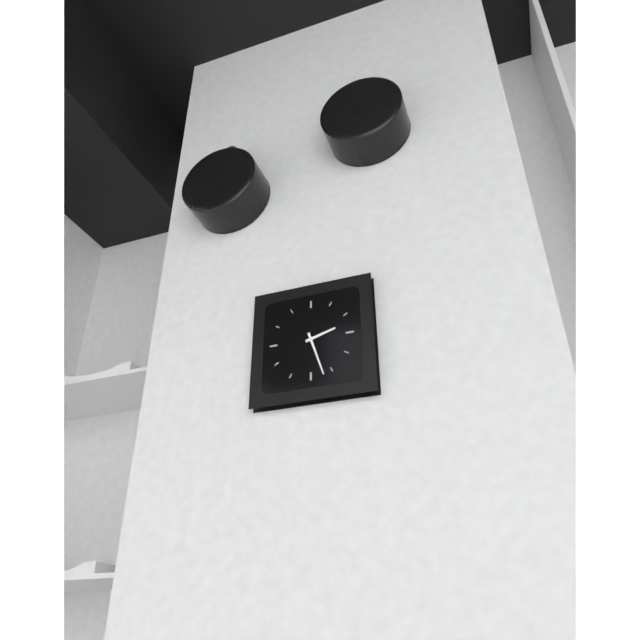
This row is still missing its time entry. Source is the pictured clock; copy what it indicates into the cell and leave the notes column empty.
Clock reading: 2:27
